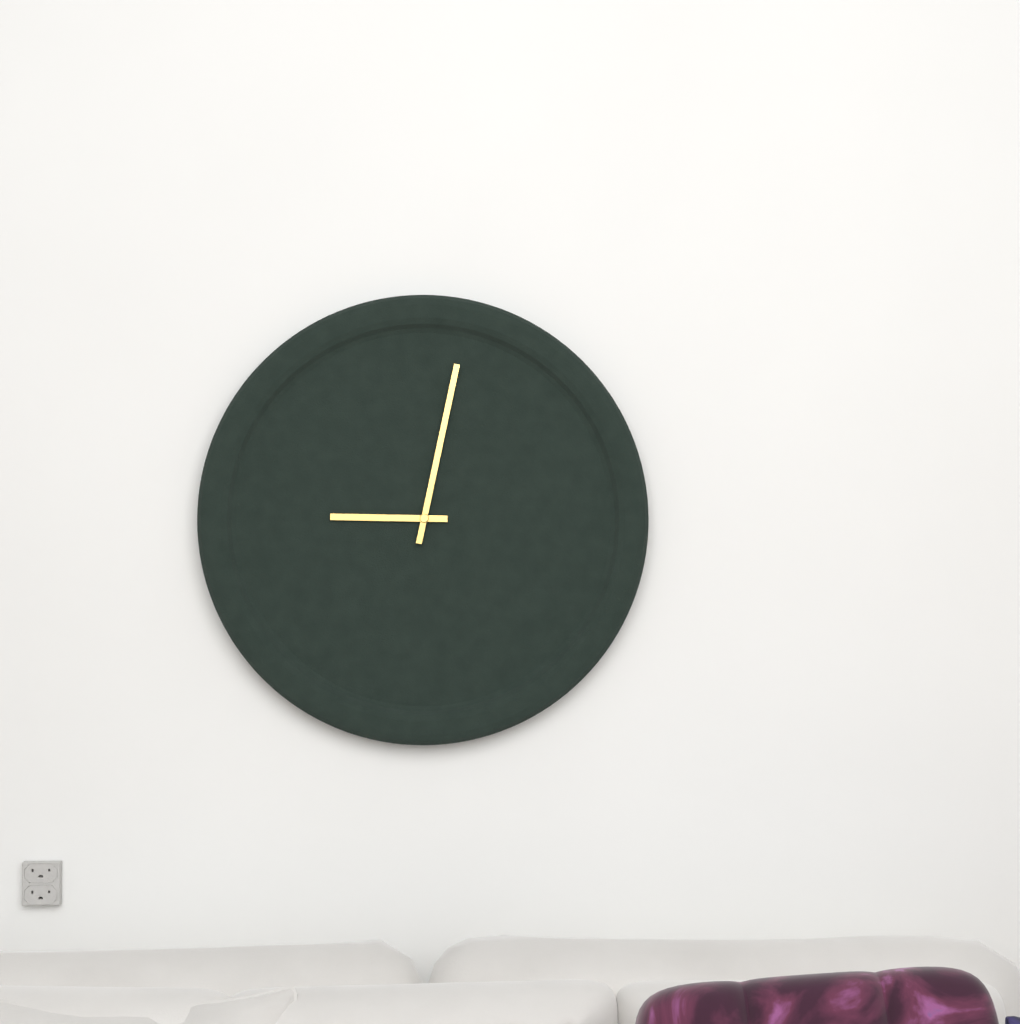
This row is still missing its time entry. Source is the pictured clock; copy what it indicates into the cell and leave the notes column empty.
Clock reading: 9:02
